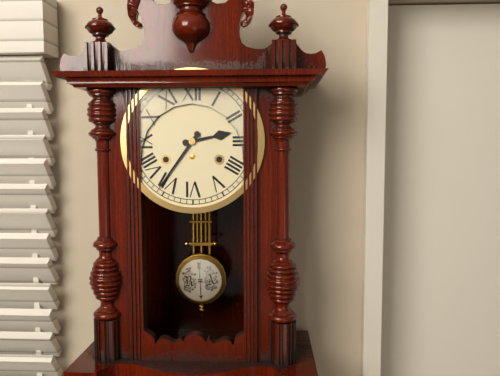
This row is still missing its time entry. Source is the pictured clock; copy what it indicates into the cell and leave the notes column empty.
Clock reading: 2:36
